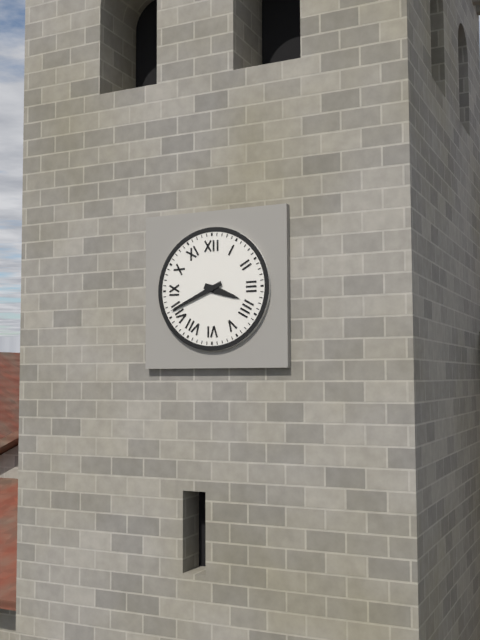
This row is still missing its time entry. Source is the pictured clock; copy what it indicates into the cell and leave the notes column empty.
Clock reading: 3:41
